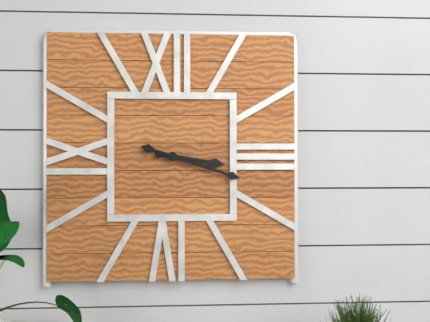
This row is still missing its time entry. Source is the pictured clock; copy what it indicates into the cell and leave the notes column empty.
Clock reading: 3:18
